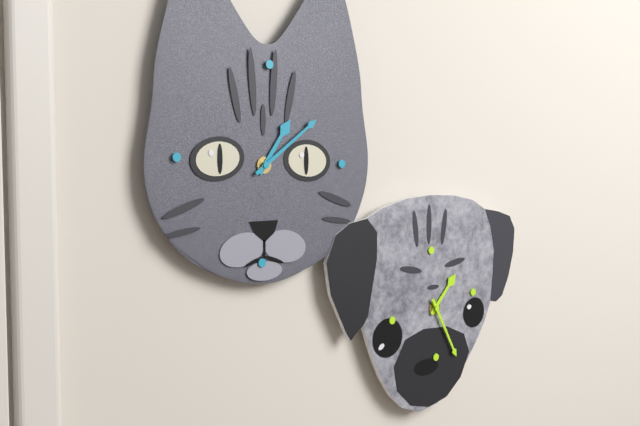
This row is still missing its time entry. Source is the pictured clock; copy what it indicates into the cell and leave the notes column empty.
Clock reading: 1:09
